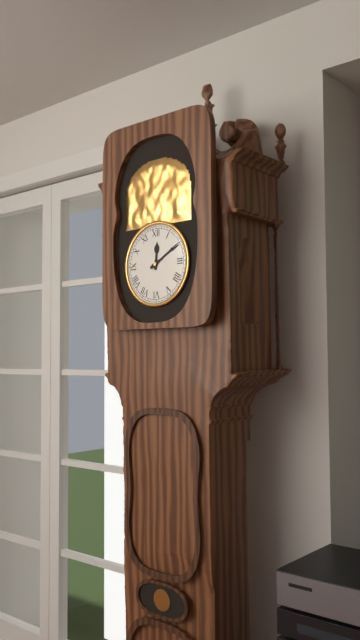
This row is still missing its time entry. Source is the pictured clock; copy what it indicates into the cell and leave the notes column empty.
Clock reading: 12:10
